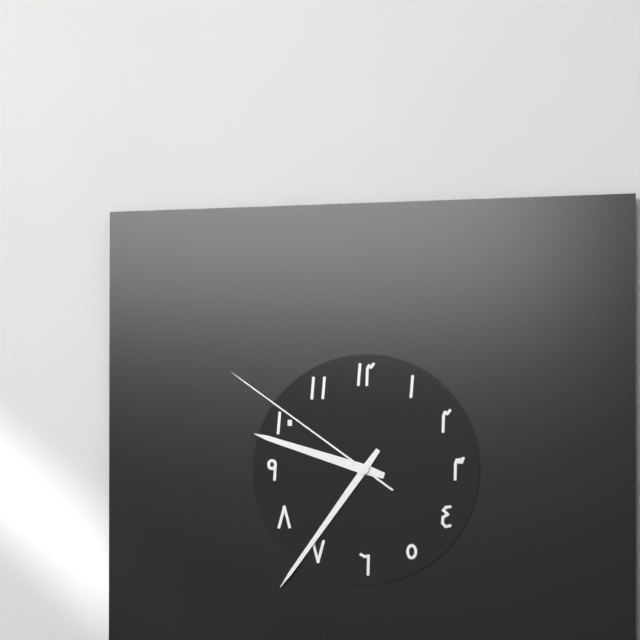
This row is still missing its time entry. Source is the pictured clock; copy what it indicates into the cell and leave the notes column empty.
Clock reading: 9:36:51
